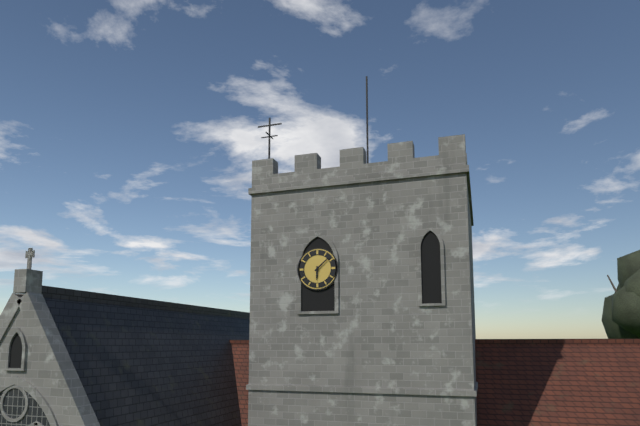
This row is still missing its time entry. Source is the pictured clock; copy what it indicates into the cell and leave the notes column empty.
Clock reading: 6:08
